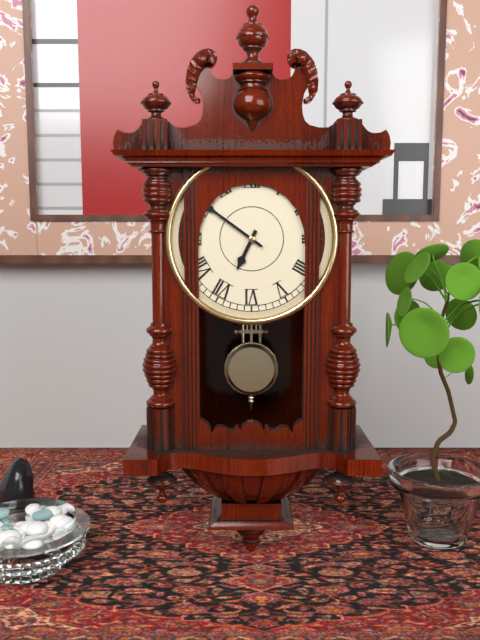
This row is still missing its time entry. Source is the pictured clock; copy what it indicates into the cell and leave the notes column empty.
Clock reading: 6:51
